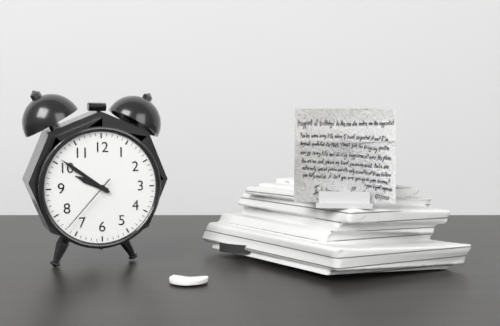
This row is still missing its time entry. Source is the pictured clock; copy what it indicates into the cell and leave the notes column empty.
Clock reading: 9:51:37
